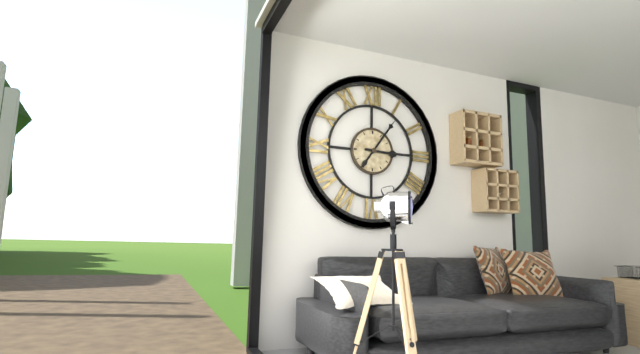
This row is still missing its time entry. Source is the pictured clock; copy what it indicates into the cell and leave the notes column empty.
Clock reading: 3:06
